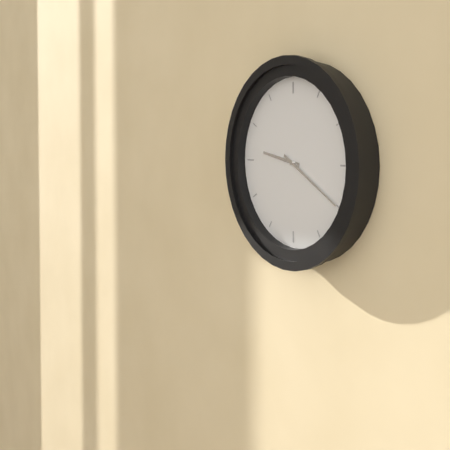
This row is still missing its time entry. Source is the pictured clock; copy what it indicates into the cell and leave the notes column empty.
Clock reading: 9:20
